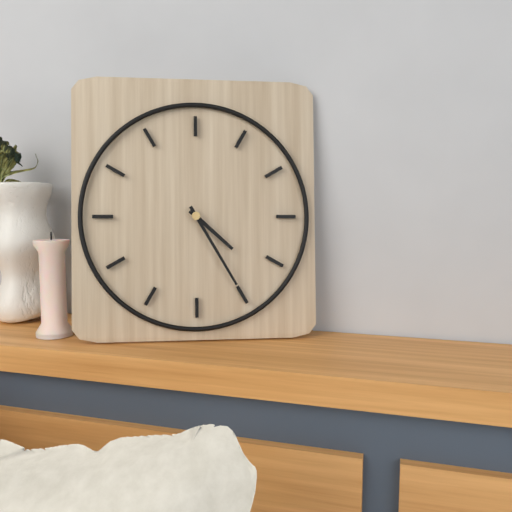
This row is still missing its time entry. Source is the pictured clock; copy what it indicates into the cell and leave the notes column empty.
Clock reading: 4:25
